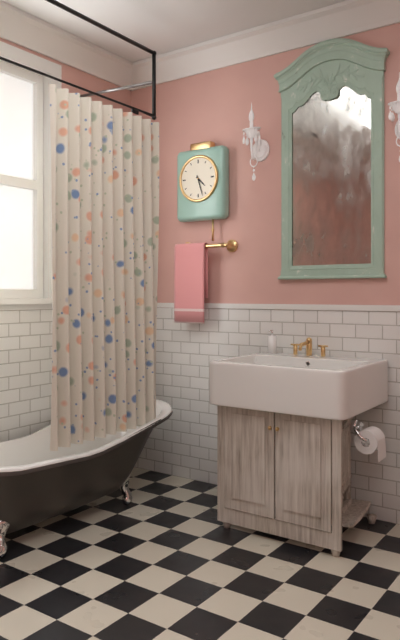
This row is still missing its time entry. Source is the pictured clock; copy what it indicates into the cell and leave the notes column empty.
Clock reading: 4:27
